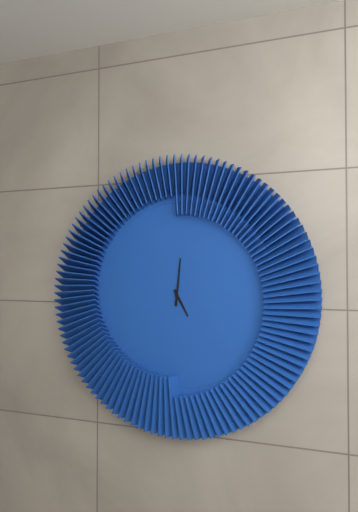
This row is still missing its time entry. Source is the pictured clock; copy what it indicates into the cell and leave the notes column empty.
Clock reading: 5:01
